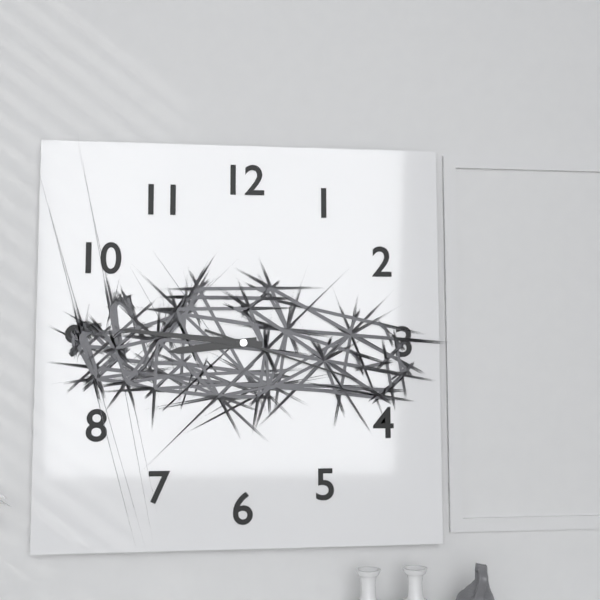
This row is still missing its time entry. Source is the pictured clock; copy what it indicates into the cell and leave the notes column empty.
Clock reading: 8:46:18
